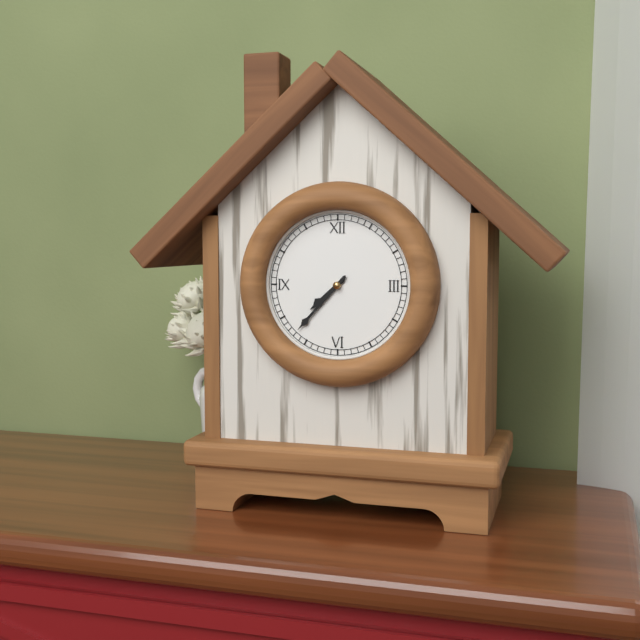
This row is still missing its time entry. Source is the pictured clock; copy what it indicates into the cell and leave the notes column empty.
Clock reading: 7:37
